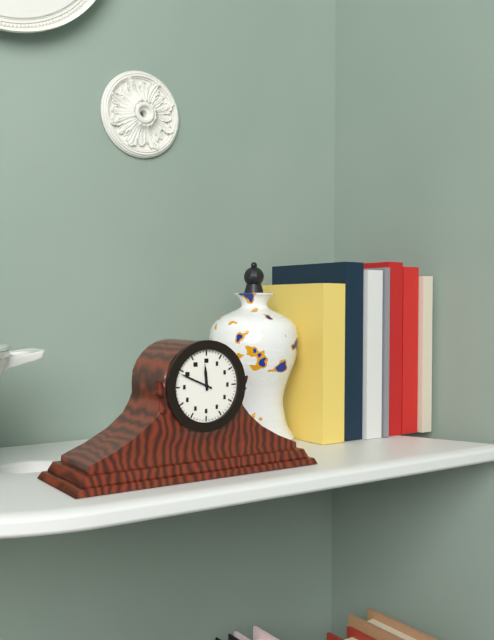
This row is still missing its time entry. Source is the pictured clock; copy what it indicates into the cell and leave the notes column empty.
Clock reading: 11:49
